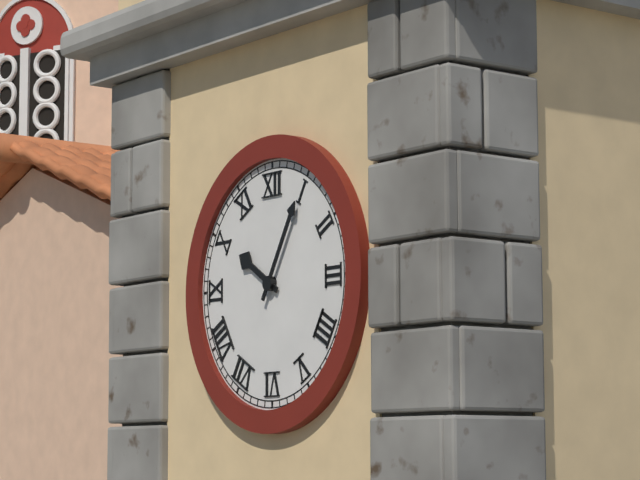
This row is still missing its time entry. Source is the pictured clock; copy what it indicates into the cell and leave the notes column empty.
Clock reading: 10:05
